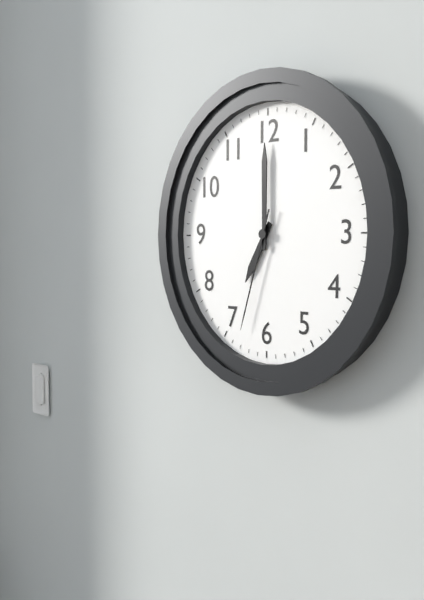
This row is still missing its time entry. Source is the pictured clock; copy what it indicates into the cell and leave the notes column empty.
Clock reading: 7:00:33
